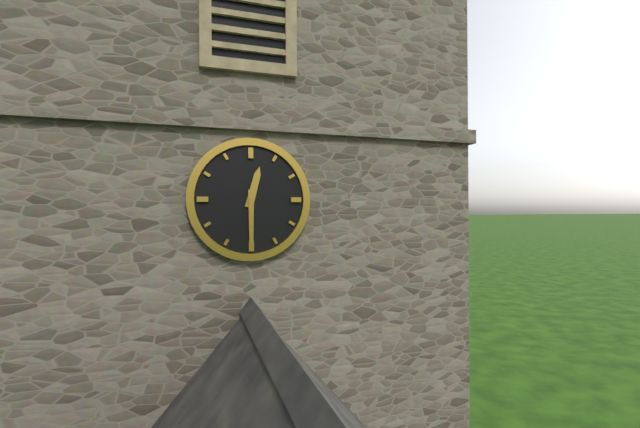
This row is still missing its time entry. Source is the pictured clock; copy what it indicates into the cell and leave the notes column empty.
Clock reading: 12:30
